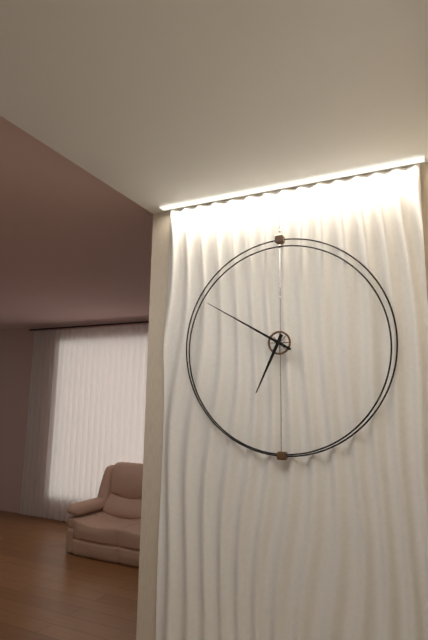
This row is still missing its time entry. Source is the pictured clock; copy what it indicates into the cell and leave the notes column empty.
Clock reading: 6:50
